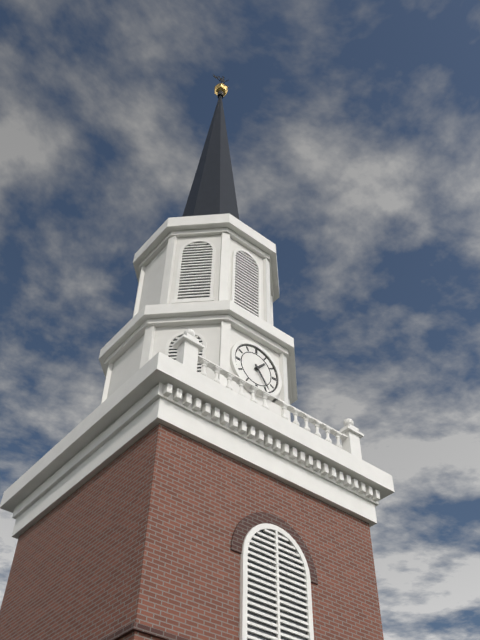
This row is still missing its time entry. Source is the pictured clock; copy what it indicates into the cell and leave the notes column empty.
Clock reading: 1:24
